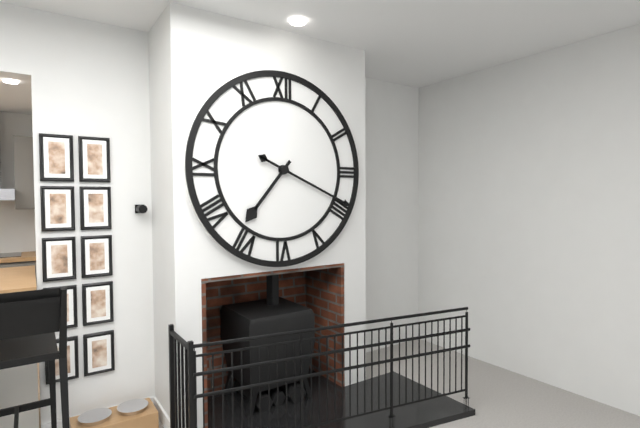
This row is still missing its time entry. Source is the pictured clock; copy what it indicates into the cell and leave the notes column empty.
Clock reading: 7:19
